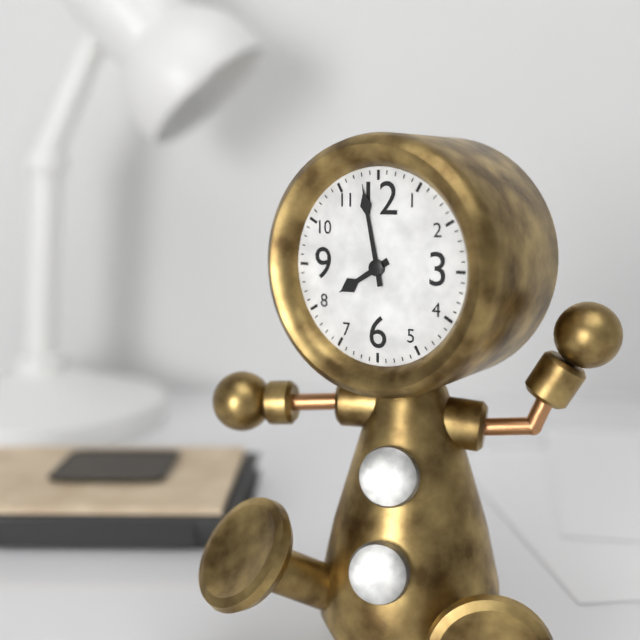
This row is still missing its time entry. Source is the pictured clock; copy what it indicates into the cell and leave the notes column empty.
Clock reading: 7:58
